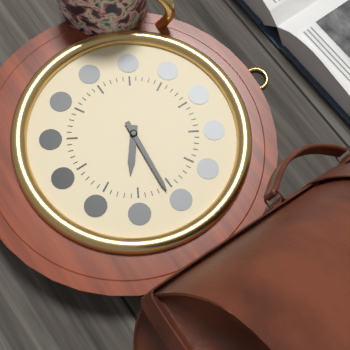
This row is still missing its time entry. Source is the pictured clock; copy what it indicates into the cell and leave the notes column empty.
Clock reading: 4:16
